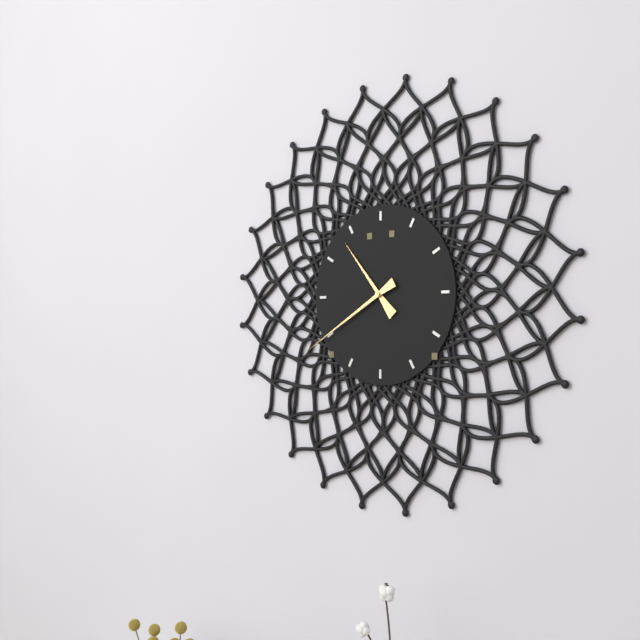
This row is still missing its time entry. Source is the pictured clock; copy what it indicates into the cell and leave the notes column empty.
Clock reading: 10:40
